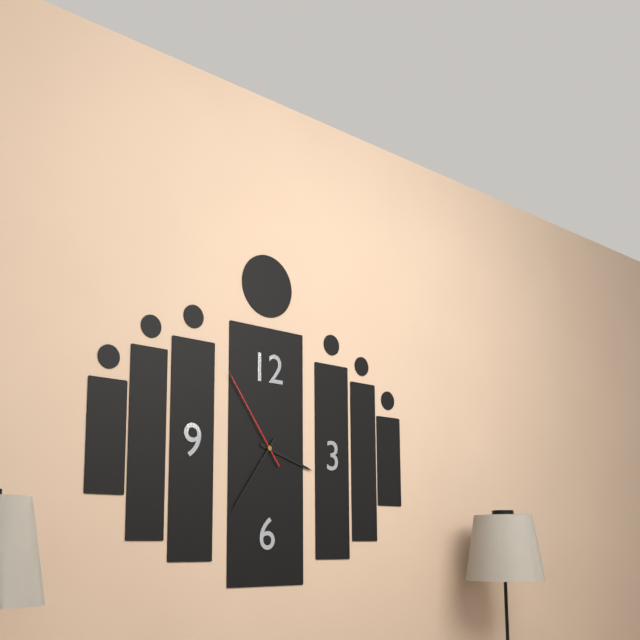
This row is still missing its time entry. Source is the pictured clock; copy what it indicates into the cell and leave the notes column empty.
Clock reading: 3:36:54
